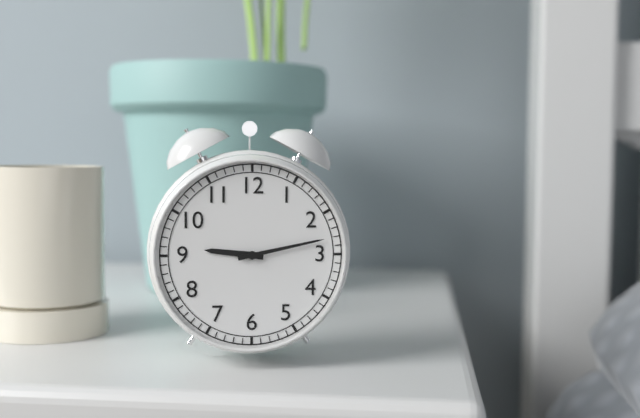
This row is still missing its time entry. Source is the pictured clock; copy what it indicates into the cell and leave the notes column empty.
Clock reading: 9:13
